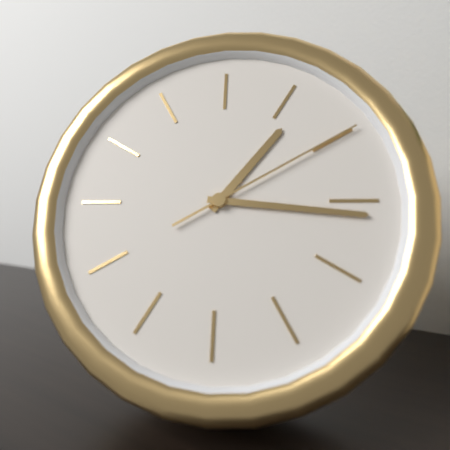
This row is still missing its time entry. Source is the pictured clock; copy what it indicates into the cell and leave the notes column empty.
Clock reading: 1:16:10
